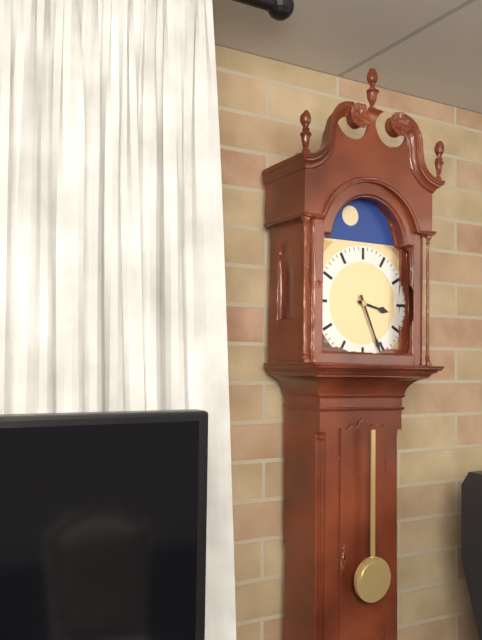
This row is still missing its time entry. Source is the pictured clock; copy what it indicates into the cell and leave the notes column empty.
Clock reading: 3:26
